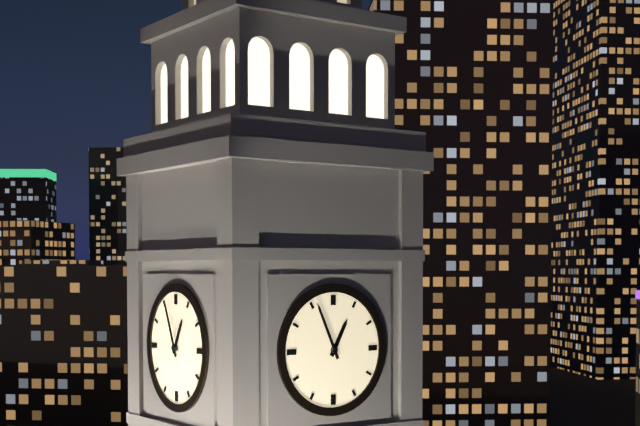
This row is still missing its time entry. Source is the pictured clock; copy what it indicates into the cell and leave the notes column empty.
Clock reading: 12:56
